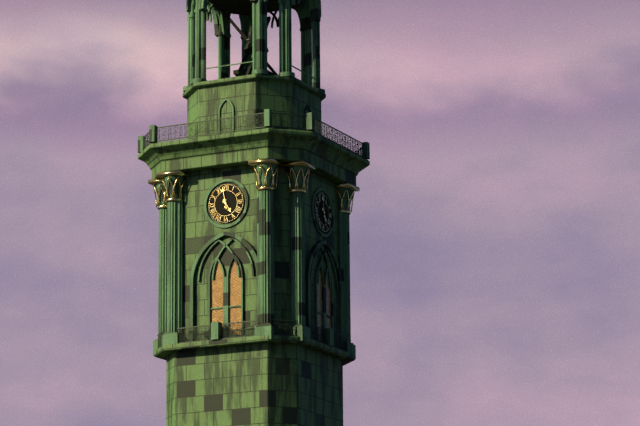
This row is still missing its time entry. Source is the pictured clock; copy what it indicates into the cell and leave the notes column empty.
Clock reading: 4:58
